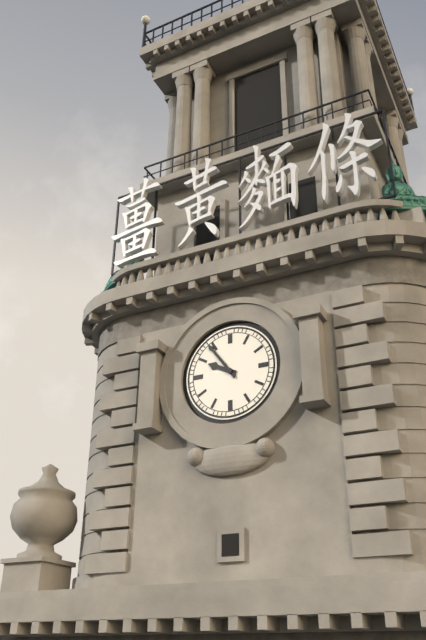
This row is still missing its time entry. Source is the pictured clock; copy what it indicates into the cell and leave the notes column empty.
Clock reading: 9:54
